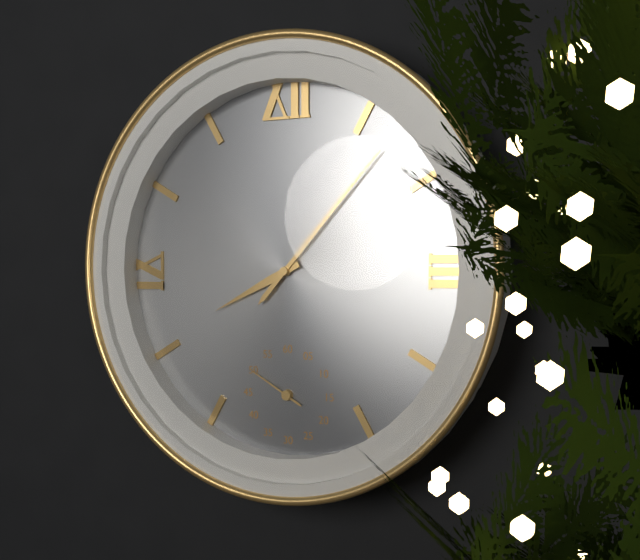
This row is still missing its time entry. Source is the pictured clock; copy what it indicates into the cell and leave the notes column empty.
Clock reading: 8:07:50
